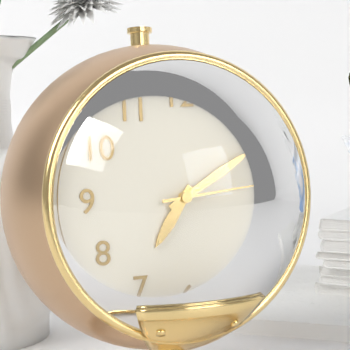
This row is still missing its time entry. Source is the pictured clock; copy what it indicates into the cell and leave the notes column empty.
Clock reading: 7:10:14
